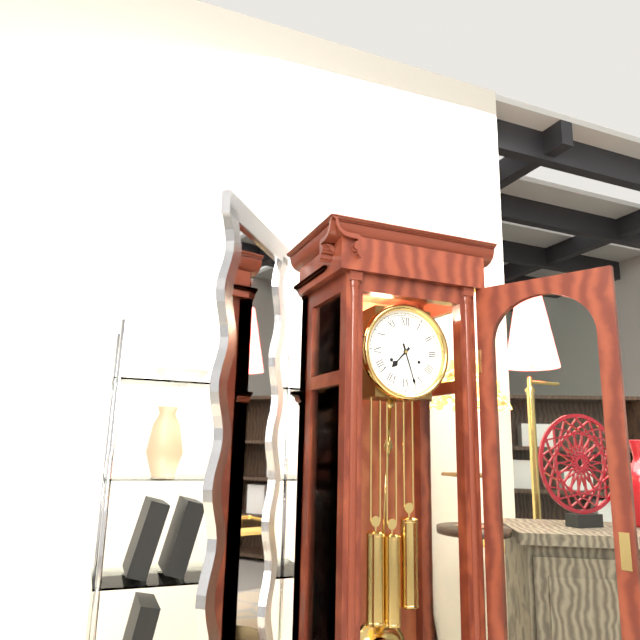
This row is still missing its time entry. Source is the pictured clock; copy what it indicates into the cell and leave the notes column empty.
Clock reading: 7:27
